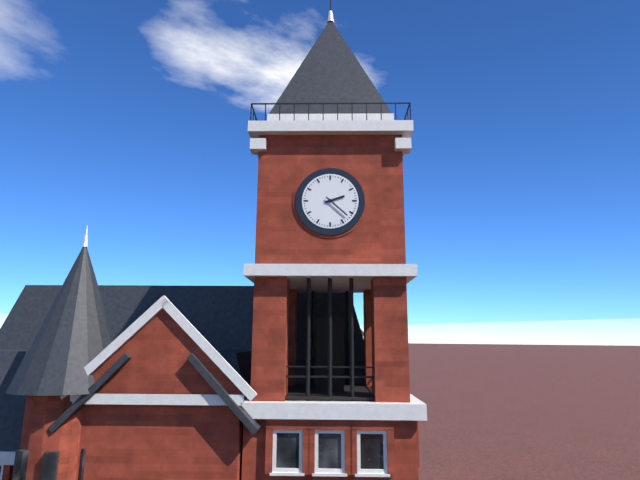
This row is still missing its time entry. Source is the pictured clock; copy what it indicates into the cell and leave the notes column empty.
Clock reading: 2:22
